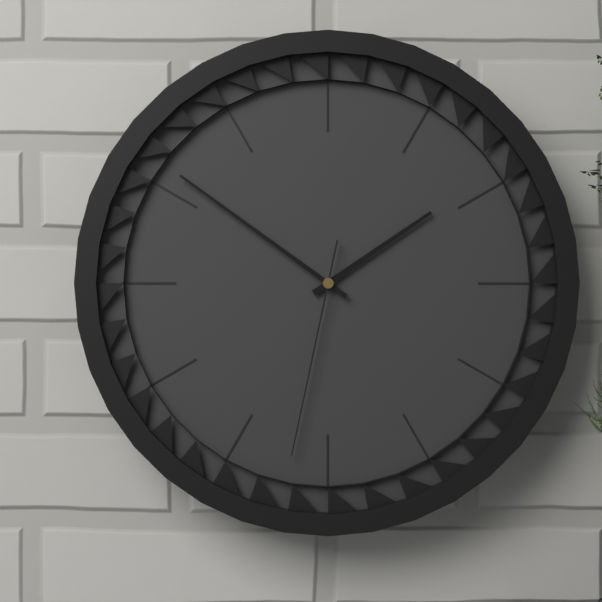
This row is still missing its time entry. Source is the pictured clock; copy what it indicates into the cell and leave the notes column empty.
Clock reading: 1:51:32
